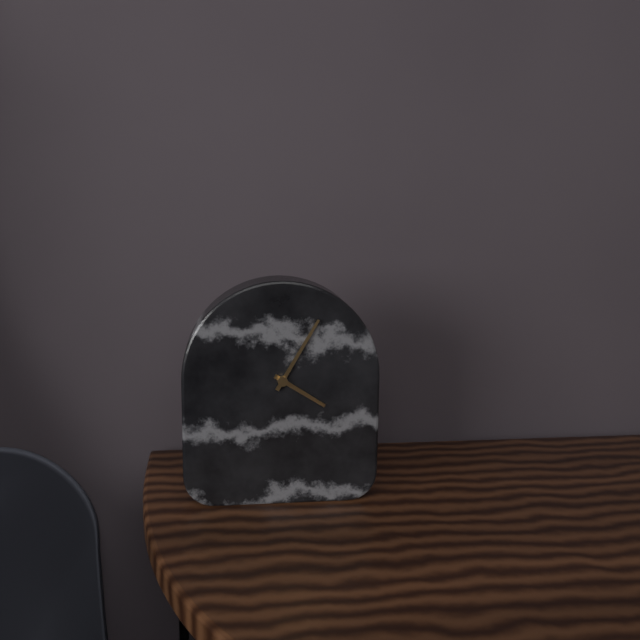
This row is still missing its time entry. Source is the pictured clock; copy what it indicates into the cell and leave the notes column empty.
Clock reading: 4:05
